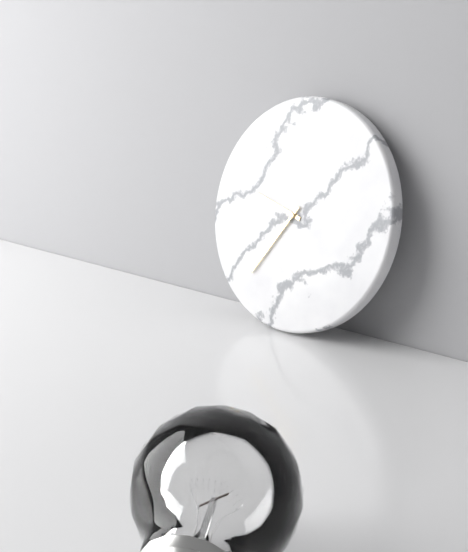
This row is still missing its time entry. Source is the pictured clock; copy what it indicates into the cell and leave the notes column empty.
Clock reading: 9:36
